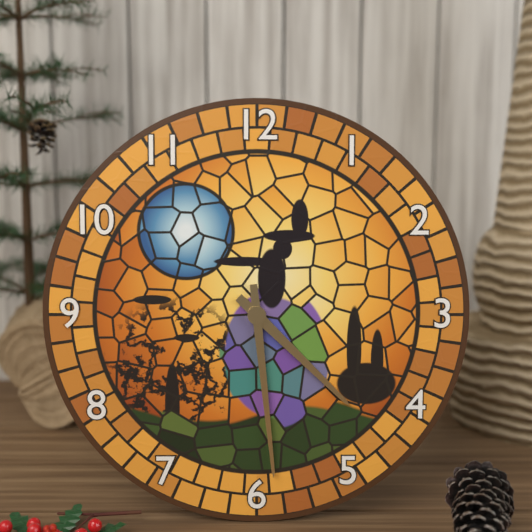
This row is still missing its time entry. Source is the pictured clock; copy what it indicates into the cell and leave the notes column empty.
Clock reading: 4:29
